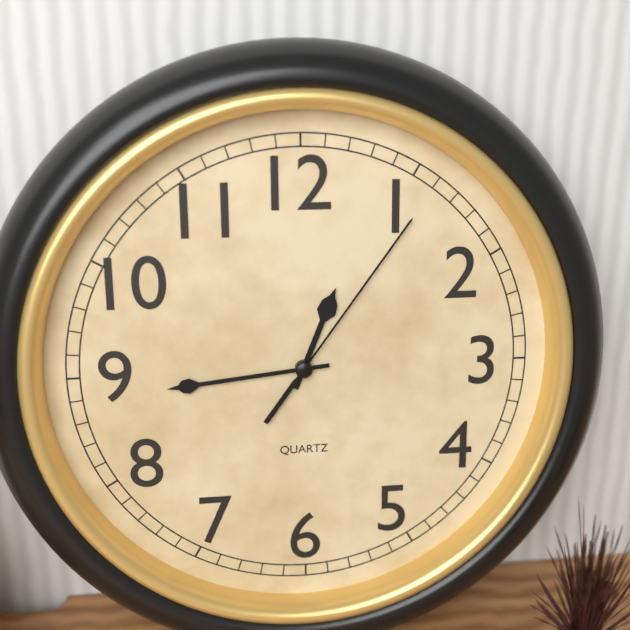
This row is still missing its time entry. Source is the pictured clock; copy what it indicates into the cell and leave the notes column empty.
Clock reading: 12:44:06
